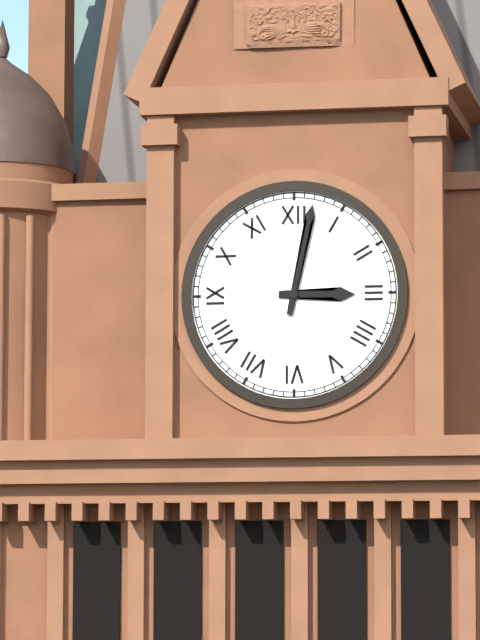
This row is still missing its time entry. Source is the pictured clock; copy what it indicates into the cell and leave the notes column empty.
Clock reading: 3:02
